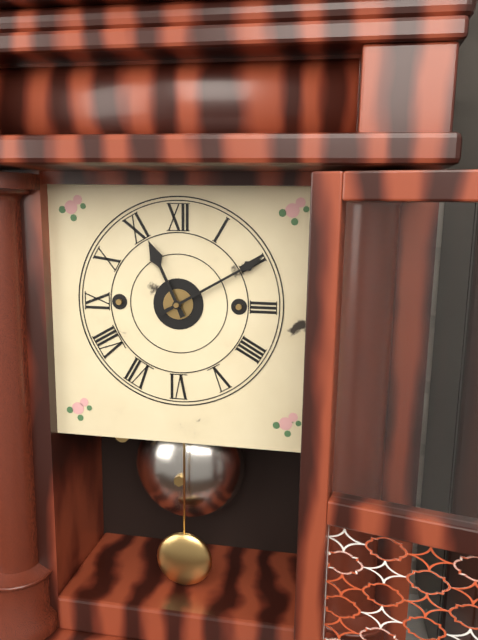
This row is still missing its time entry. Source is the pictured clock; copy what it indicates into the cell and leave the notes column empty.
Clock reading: 11:10
